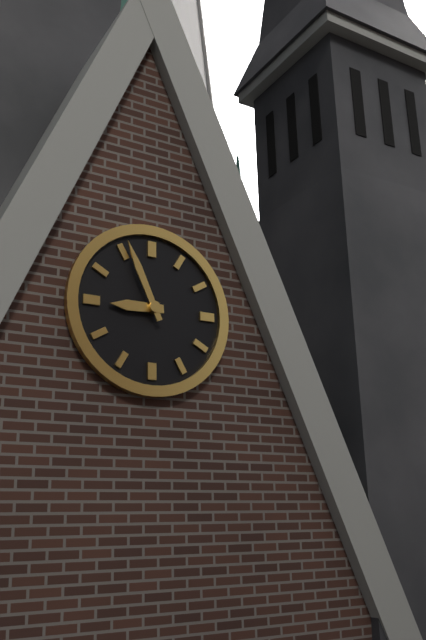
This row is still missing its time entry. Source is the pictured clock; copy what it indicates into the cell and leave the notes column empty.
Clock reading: 8:56
